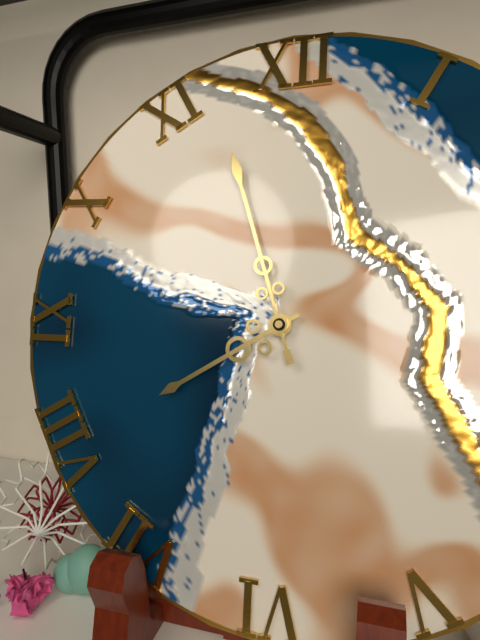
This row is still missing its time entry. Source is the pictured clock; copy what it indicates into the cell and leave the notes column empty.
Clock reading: 7:57
